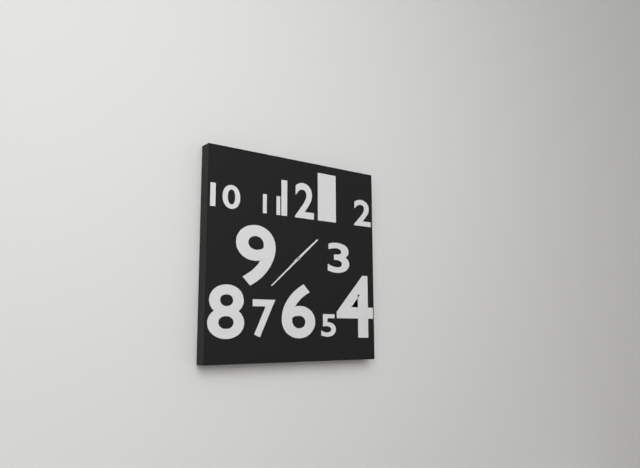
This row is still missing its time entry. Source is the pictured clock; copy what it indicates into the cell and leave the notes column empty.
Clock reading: 1:38
